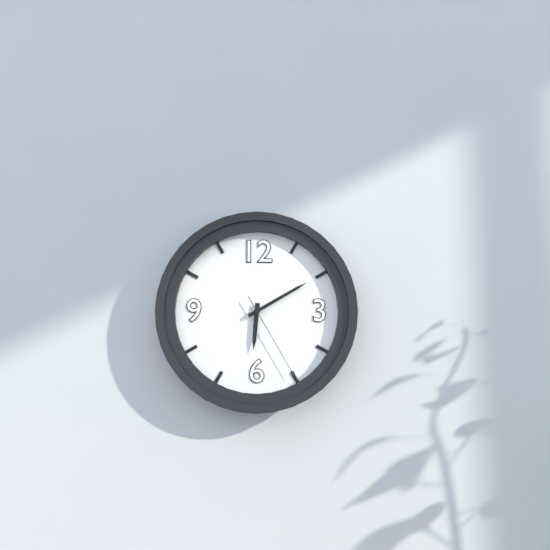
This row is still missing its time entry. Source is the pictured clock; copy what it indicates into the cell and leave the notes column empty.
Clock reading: 6:10:25
